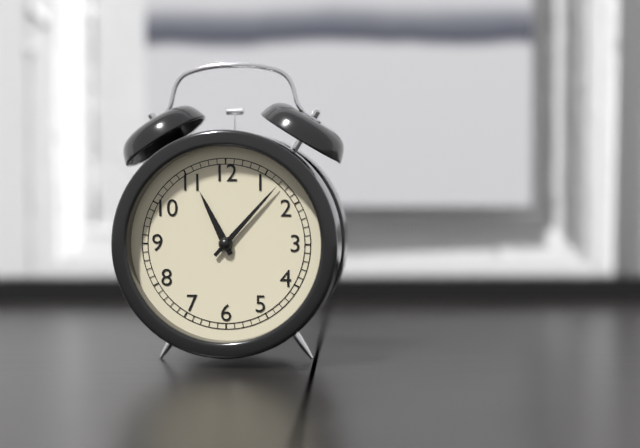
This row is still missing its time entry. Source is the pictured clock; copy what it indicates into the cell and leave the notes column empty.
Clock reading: 11:07
